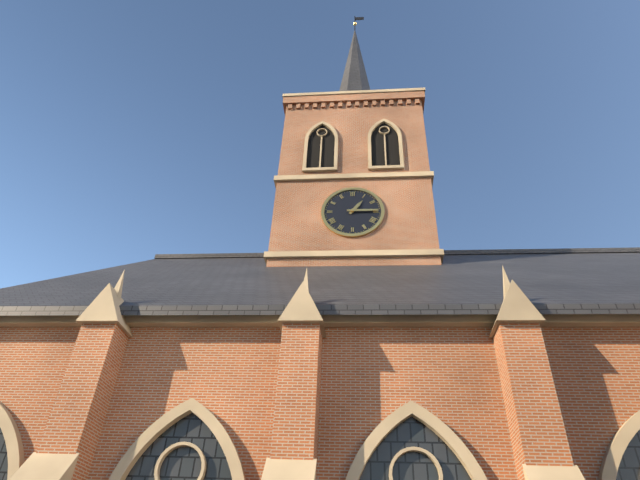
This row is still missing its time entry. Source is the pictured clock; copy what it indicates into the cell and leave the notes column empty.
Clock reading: 1:15
